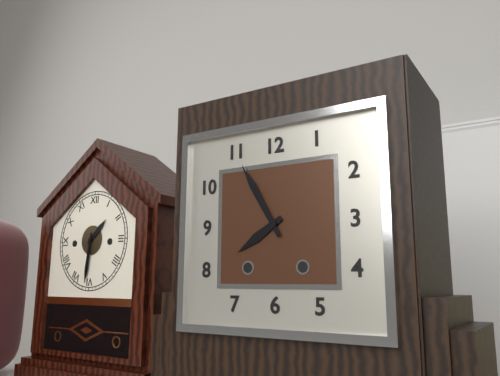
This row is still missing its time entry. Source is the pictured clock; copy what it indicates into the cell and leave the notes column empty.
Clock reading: 7:55
